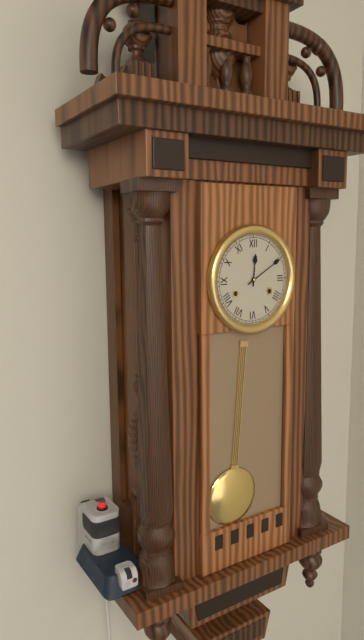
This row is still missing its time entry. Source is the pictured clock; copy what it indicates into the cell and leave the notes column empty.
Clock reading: 12:10
